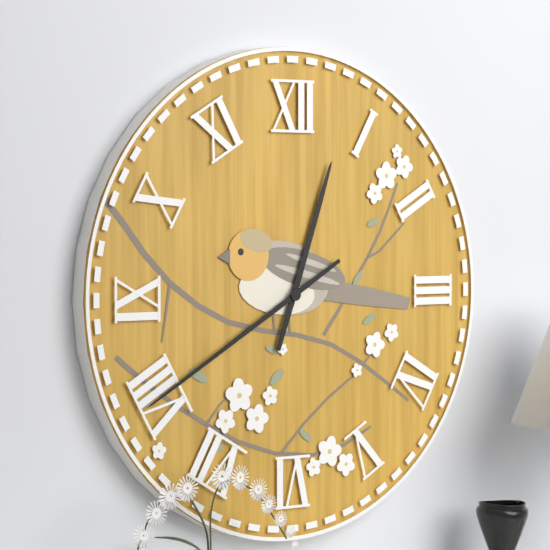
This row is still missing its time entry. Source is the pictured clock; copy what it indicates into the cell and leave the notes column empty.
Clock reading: 12:40
